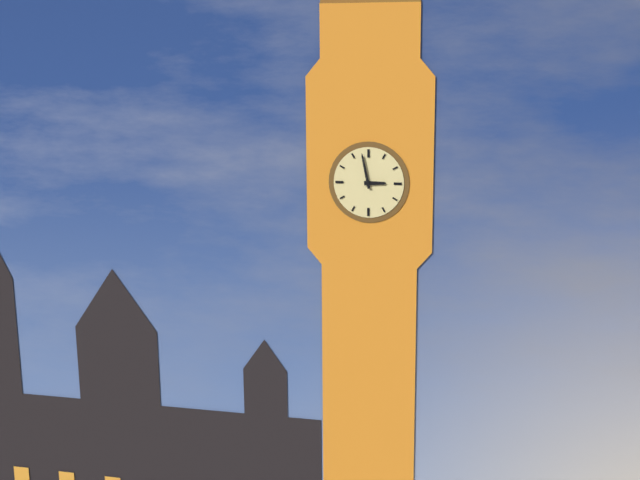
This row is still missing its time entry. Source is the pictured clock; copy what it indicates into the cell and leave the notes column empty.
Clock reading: 2:58
